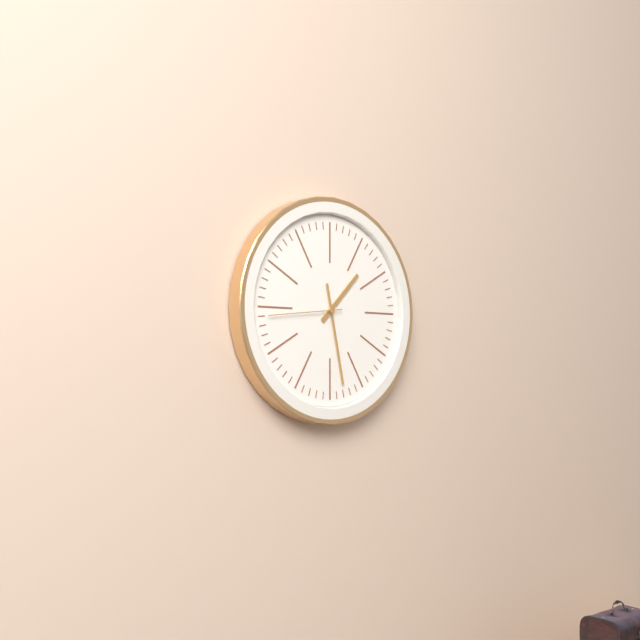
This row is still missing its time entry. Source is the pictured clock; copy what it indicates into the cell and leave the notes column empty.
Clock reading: 1:28:44
